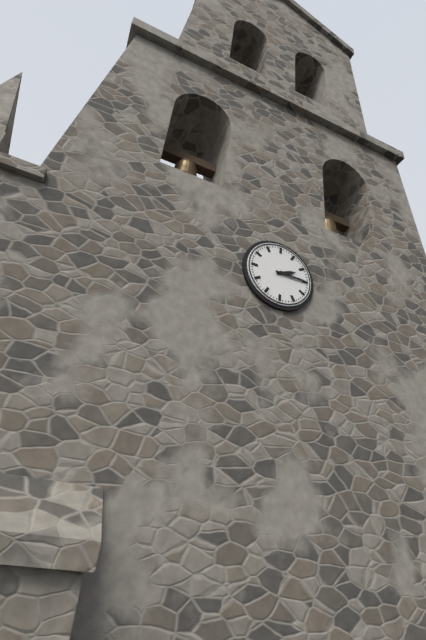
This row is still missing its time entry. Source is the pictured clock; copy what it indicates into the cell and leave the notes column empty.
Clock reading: 2:15
